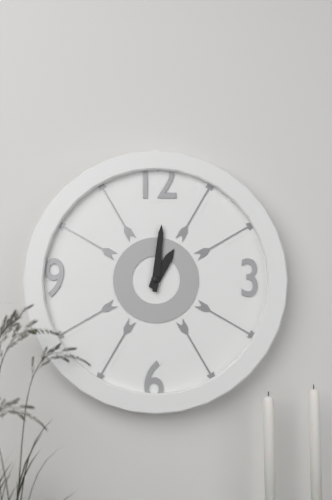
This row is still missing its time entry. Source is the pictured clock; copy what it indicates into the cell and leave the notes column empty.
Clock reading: 1:01
